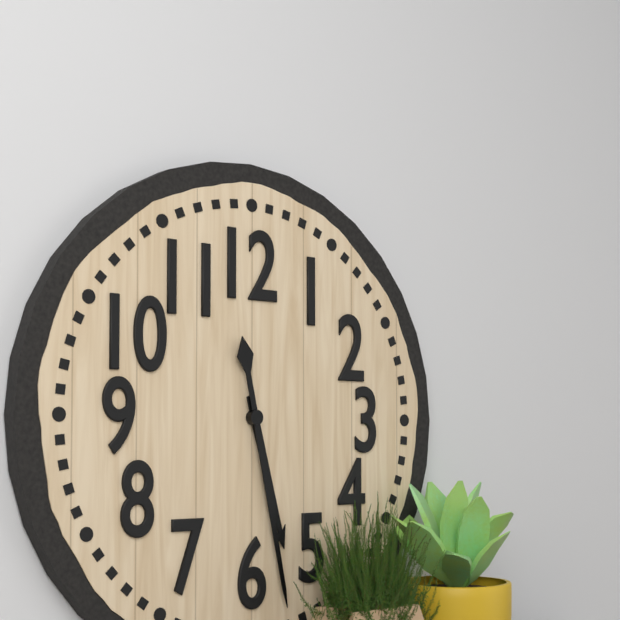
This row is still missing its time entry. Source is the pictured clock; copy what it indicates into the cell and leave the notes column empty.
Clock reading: 5:28
